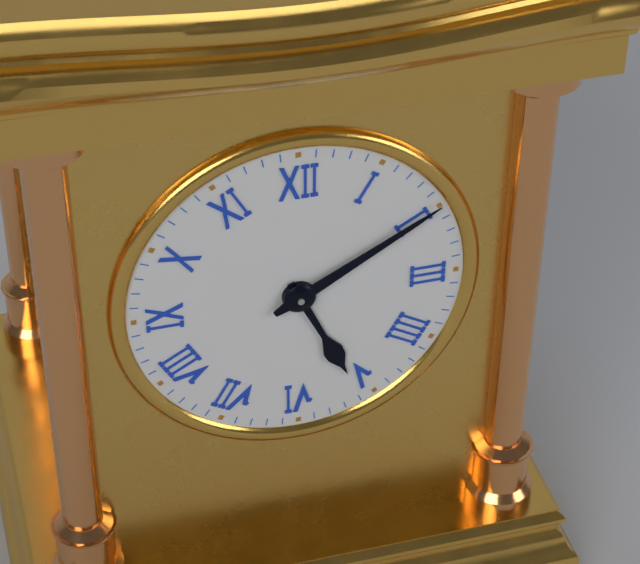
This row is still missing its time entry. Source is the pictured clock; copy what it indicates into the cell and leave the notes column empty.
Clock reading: 5:10
